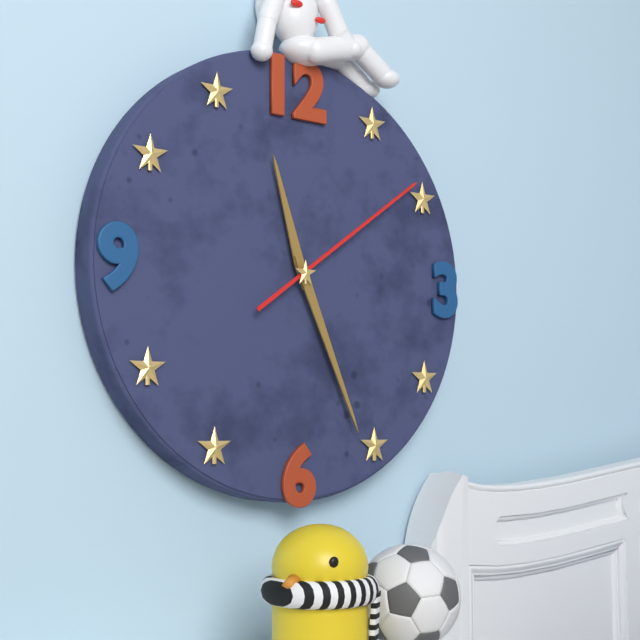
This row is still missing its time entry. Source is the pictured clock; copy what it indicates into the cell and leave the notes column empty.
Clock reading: 11:26:09
